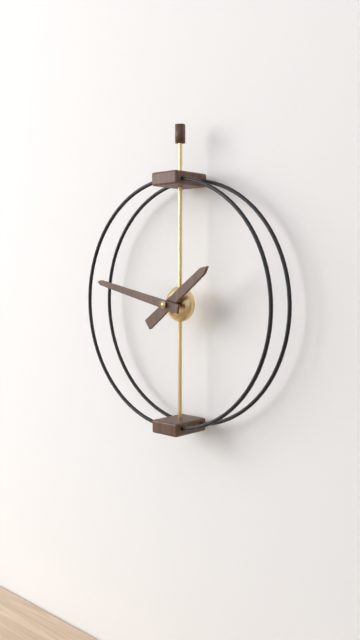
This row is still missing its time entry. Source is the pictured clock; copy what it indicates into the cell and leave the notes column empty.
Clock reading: 1:47
